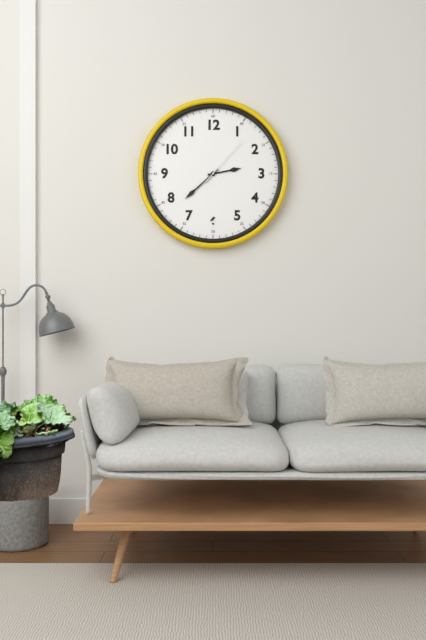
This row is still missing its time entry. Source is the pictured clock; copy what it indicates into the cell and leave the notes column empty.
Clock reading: 2:38:07
